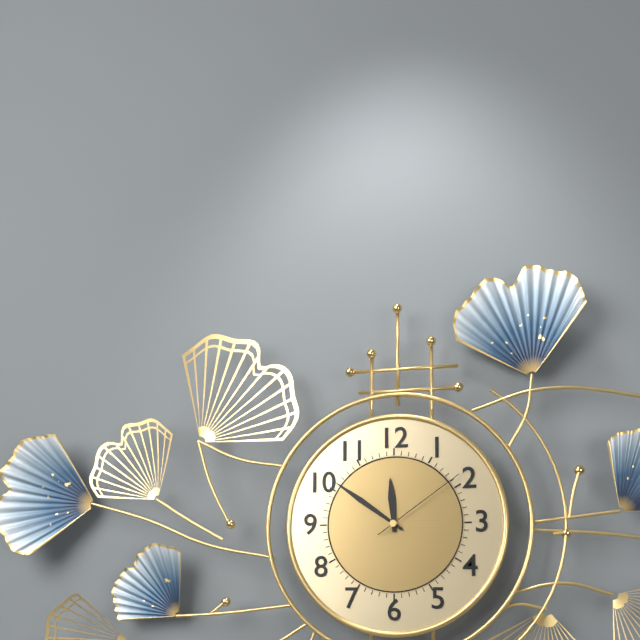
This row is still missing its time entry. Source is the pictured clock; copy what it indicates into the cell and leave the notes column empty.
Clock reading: 11:51:09
